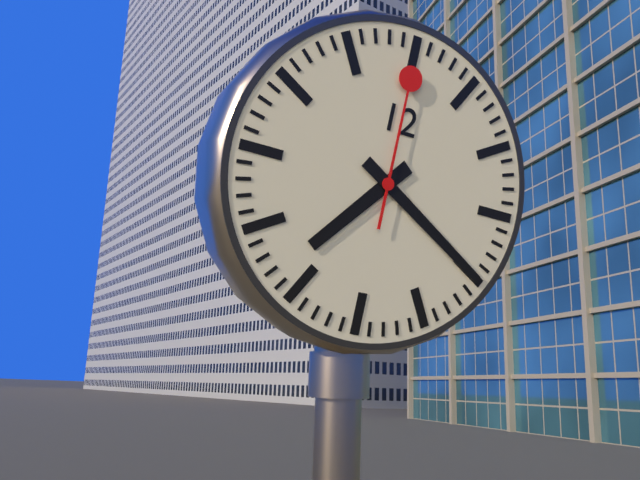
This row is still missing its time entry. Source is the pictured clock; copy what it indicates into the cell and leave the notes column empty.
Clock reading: 7:20:00
